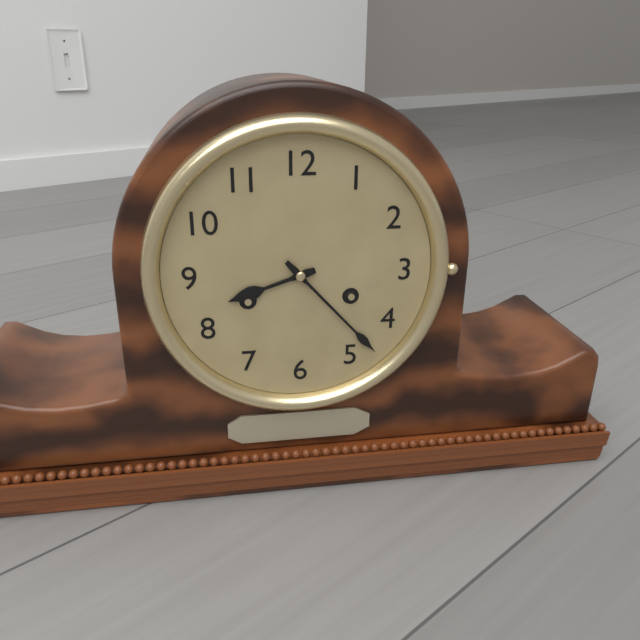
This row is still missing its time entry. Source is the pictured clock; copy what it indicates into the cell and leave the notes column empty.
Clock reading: 8:23
